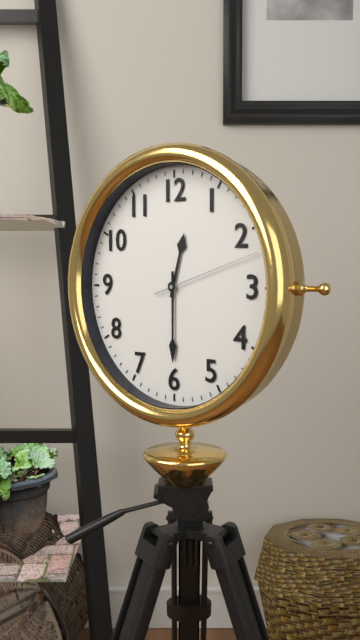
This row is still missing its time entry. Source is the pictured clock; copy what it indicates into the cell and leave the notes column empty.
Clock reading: 12:30:12
